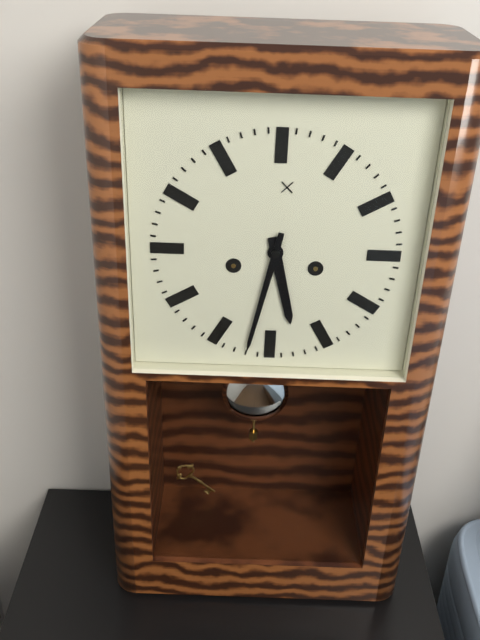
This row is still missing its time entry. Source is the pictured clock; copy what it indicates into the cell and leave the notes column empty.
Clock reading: 5:32
